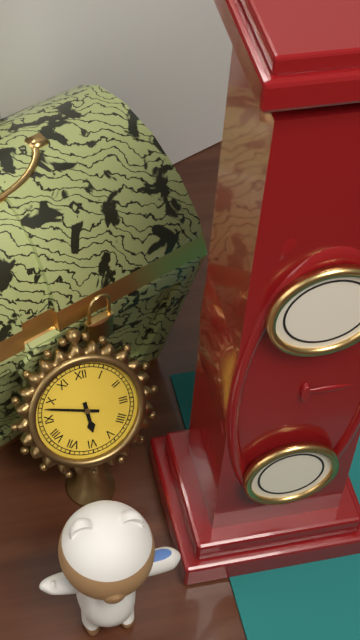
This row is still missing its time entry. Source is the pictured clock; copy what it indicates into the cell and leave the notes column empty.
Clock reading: 5:48
